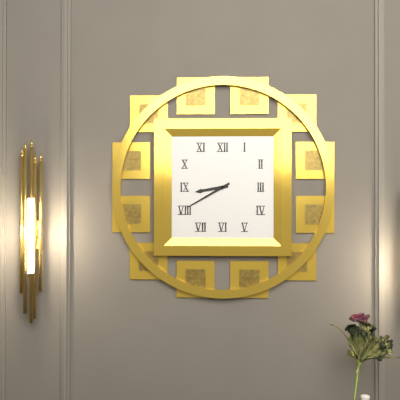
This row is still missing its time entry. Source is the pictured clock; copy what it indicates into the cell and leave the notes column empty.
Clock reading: 8:40
